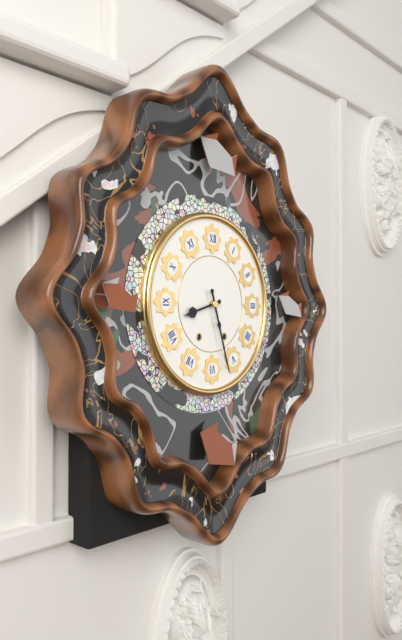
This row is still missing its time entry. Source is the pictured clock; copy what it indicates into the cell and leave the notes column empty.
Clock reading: 8:27
